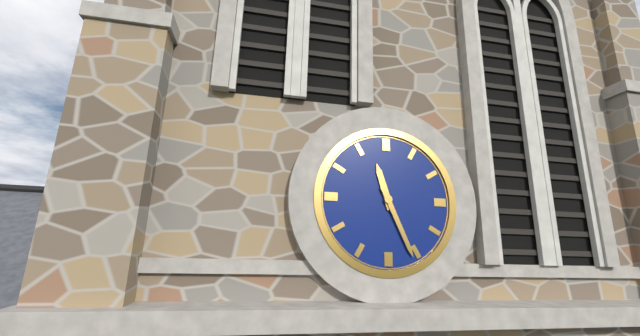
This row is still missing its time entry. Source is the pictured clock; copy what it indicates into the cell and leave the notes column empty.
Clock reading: 11:26
